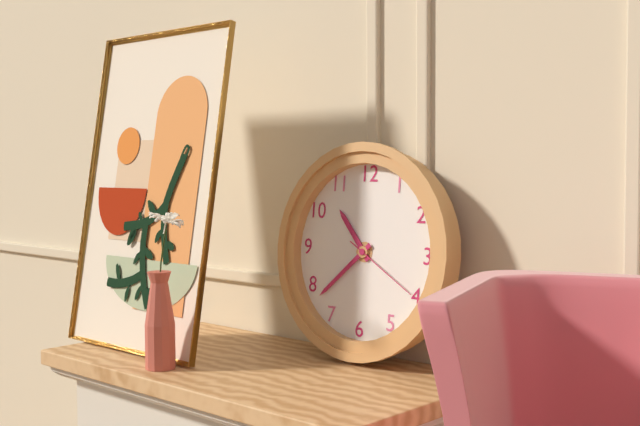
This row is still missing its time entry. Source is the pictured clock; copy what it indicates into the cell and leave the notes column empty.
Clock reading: 10:38:20
